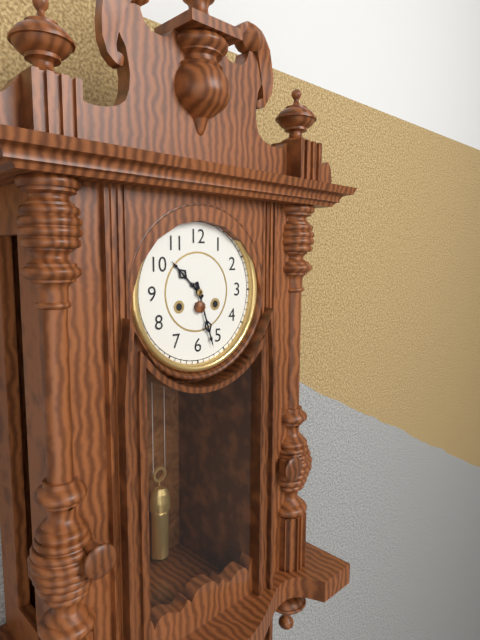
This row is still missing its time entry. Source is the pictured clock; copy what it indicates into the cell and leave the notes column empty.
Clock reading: 10:27
